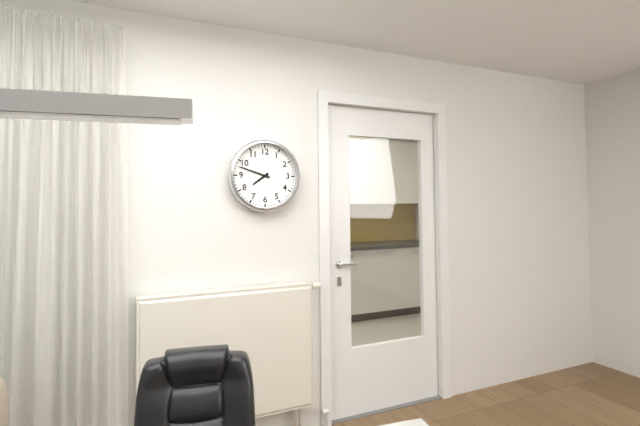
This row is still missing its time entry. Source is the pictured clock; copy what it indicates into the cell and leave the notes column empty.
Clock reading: 7:48
